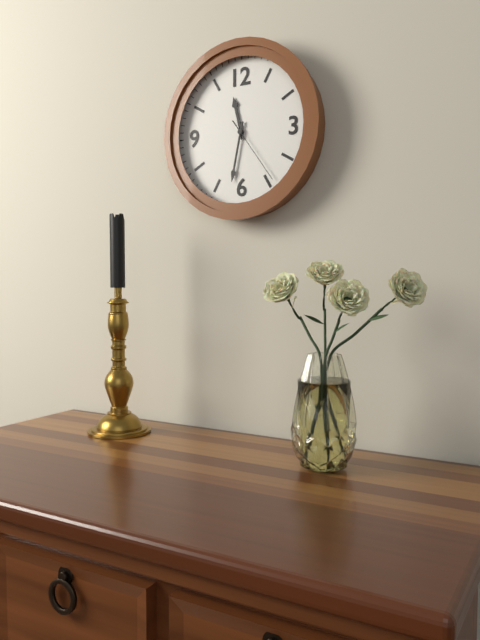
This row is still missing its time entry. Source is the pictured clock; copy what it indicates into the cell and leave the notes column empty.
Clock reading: 11:32:24
